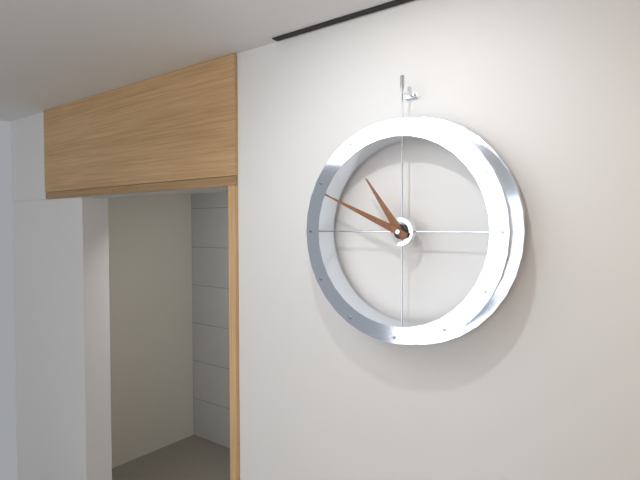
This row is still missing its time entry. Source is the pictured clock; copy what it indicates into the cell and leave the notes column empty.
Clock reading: 10:49
